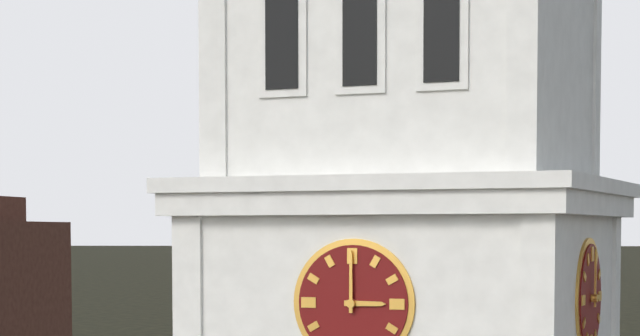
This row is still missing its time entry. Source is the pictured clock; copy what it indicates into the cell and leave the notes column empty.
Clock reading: 3:00
